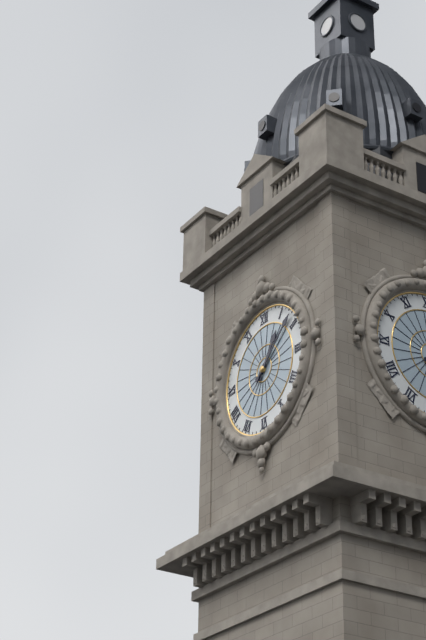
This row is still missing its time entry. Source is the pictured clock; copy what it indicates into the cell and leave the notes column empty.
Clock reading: 1:08
